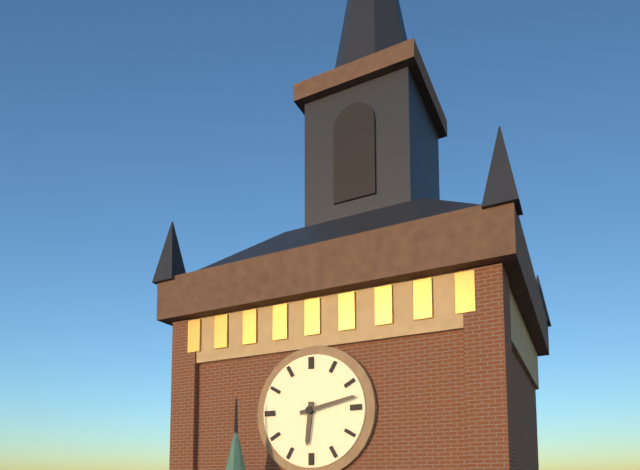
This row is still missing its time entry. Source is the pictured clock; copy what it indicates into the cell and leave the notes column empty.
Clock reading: 6:13
